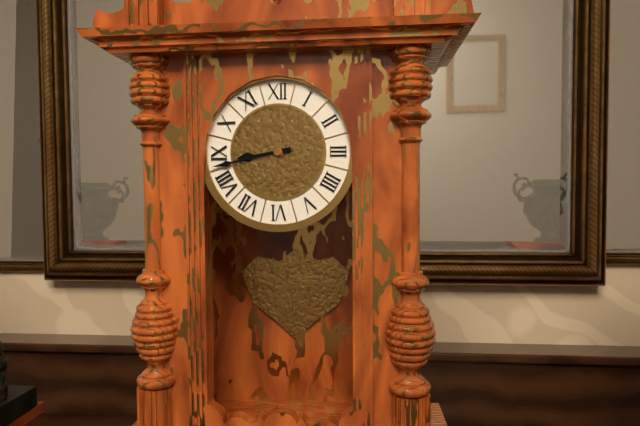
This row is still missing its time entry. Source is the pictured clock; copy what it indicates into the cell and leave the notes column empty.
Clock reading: 8:43
